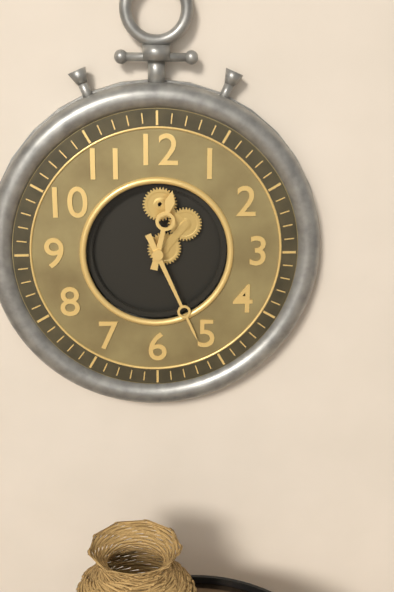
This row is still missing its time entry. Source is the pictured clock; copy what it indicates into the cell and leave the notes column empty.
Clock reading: 12:26
